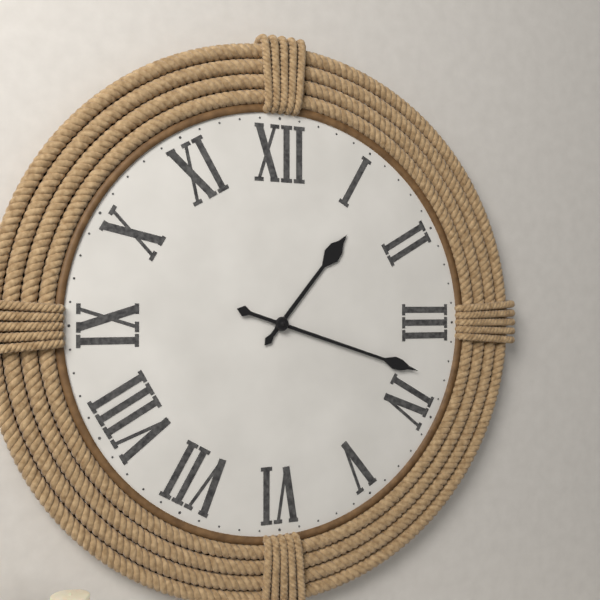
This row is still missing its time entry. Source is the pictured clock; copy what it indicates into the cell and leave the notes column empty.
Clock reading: 1:18
